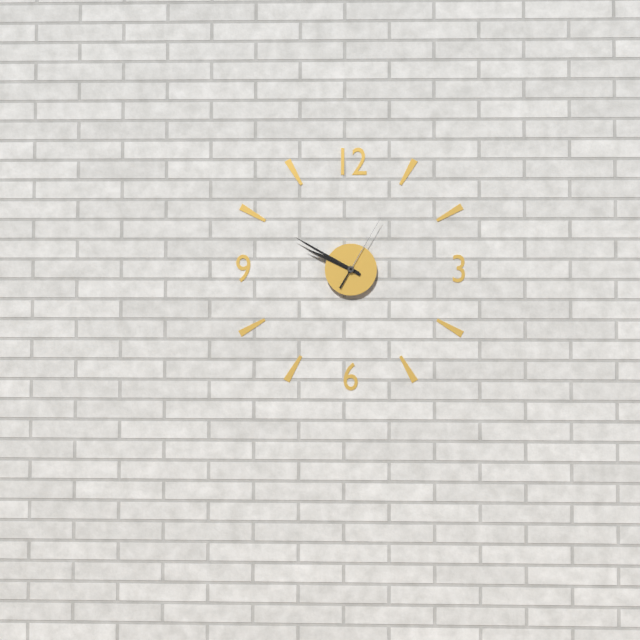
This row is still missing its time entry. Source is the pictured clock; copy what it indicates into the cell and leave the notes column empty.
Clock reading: 9:50:05
